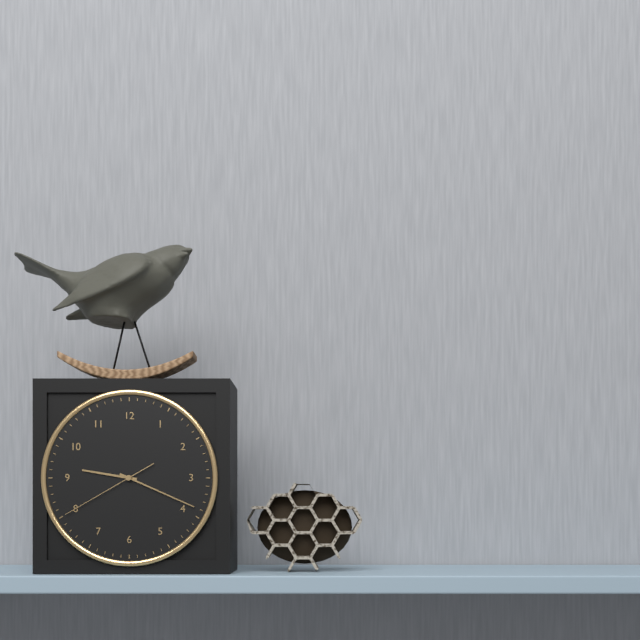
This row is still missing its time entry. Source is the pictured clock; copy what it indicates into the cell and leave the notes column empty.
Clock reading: 9:19:40
